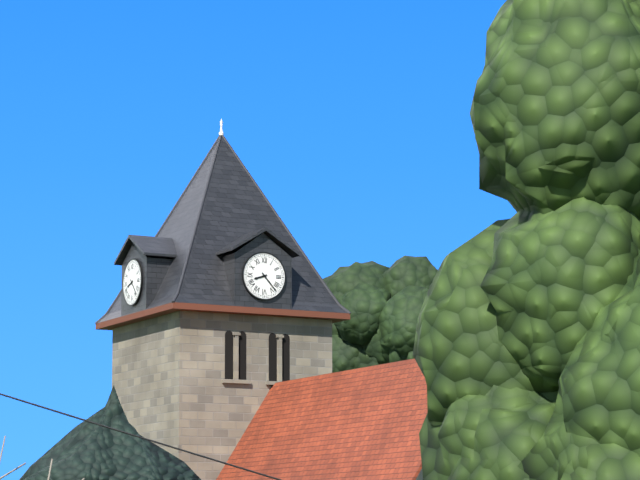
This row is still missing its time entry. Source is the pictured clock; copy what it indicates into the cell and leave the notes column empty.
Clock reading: 8:23
